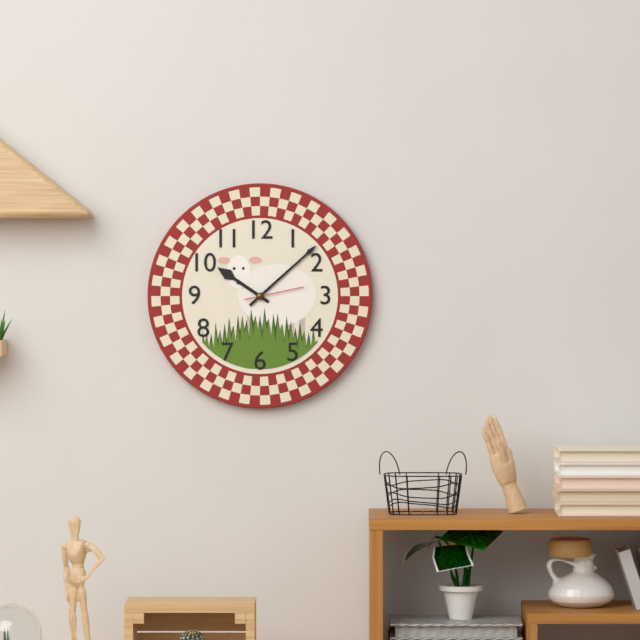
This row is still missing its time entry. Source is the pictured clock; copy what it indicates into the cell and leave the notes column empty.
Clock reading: 10:08:13
